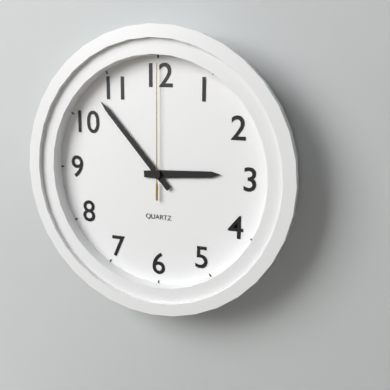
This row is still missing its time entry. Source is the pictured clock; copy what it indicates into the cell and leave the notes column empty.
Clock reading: 2:53:00
